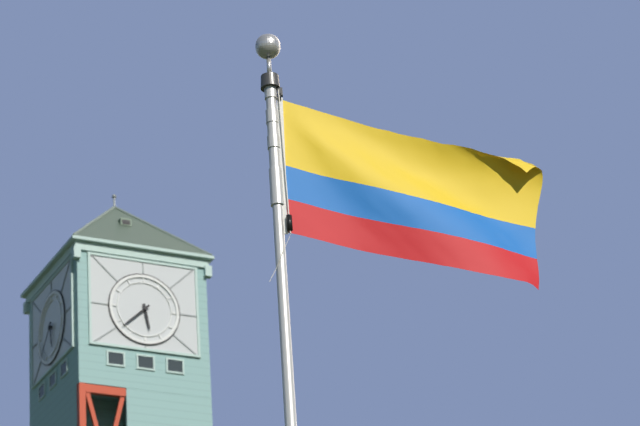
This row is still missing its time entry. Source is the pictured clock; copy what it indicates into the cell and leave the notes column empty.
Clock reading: 5:38
